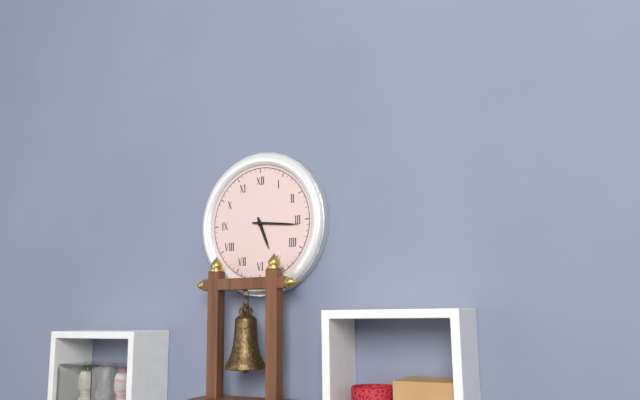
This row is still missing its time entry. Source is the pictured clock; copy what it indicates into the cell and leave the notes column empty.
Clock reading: 5:16
